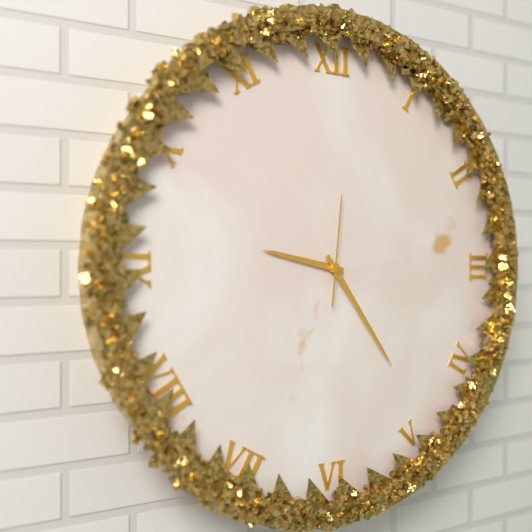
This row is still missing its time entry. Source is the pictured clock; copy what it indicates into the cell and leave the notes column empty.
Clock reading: 9:24:01
